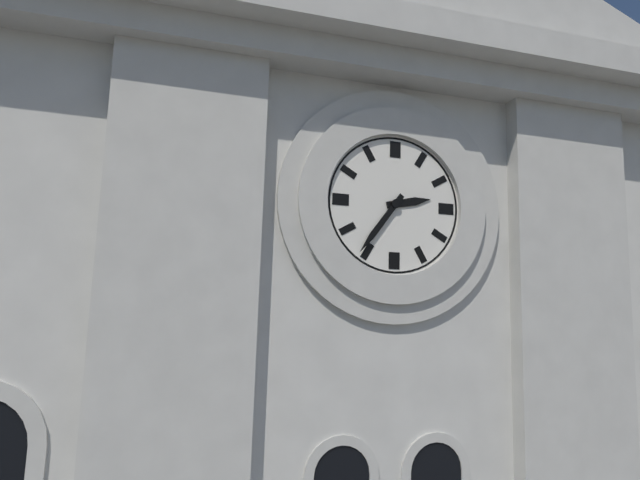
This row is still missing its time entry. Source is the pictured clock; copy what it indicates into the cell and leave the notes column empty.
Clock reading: 2:36
